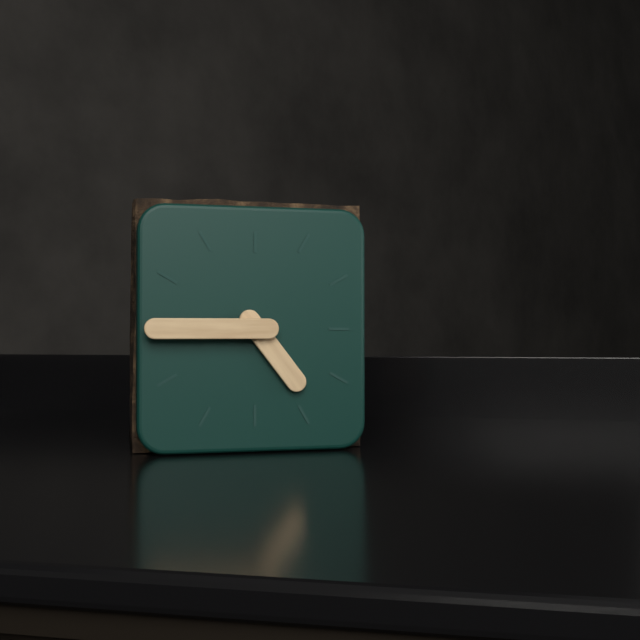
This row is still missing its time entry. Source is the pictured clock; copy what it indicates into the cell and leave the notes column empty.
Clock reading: 4:45
